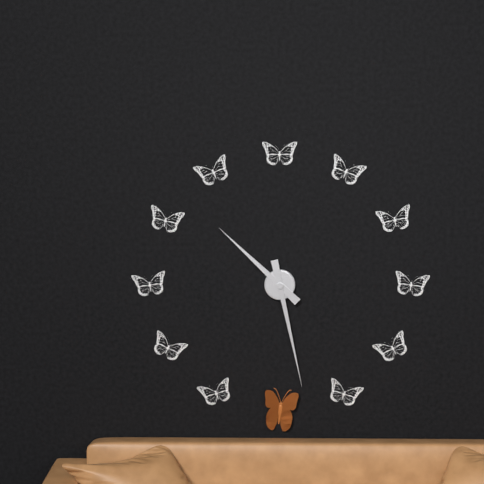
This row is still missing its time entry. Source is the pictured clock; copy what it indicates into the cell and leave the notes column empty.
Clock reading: 10:28
